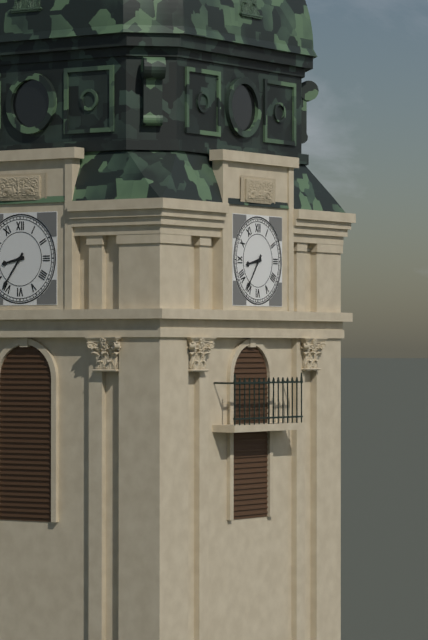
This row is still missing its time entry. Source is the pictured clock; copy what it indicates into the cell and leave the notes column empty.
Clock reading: 8:36
